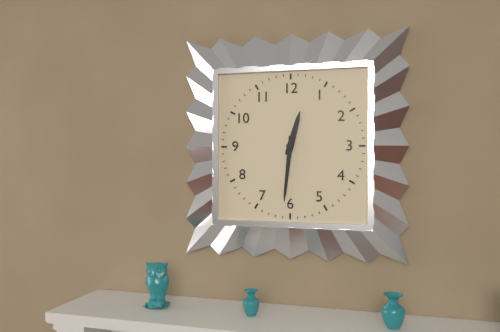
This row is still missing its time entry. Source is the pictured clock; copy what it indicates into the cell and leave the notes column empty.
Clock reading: 12:31
